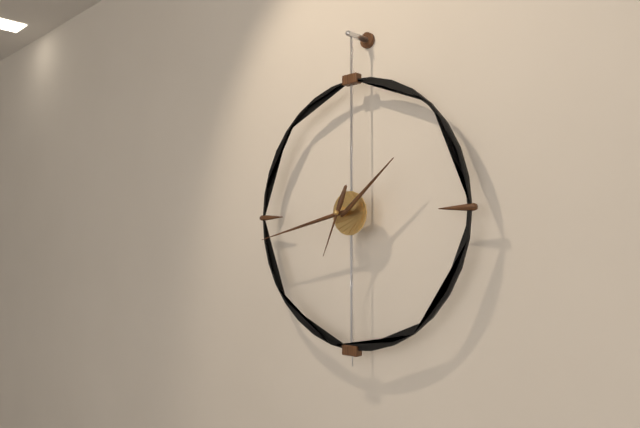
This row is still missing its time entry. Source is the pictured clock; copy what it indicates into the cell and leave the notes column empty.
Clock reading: 1:43:34
